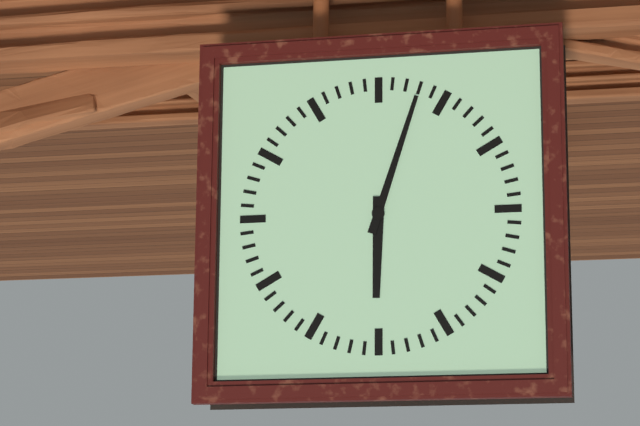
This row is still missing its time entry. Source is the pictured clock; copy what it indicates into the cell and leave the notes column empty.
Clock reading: 6:03
